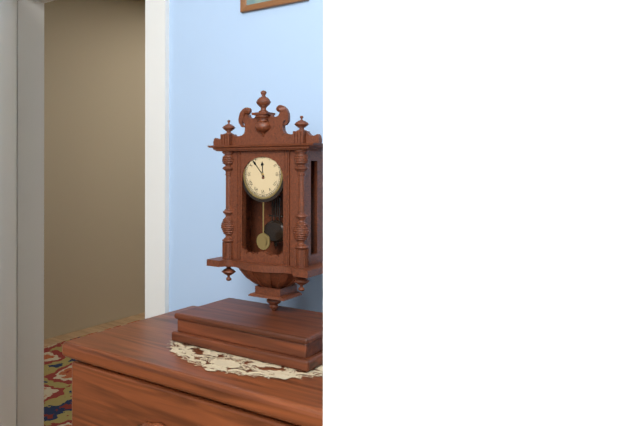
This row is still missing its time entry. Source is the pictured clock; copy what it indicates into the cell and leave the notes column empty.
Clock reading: 11:53
